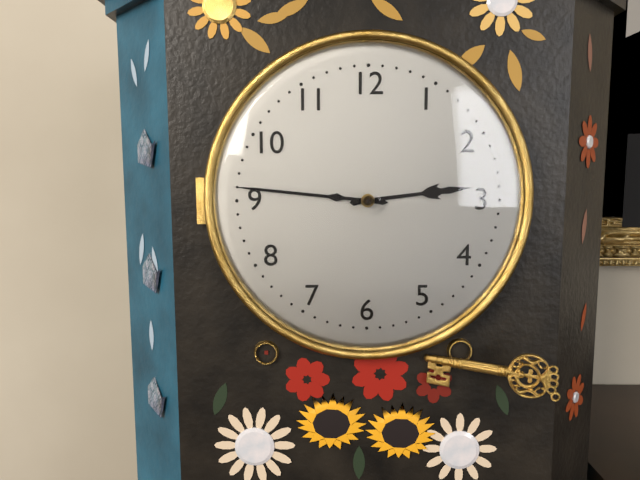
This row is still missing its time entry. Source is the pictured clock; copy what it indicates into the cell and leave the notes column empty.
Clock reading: 2:46
